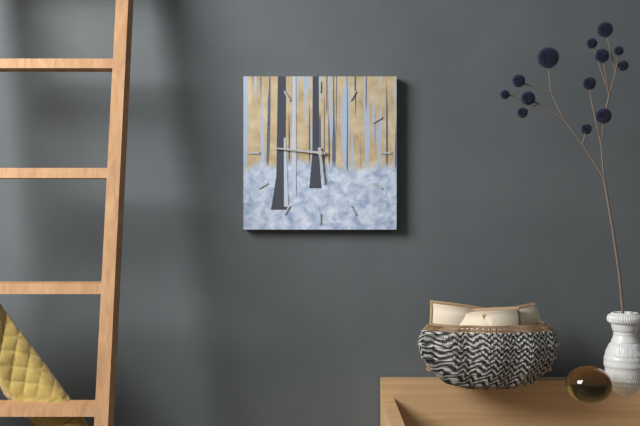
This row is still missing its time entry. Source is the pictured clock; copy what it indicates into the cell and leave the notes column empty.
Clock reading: 5:46
